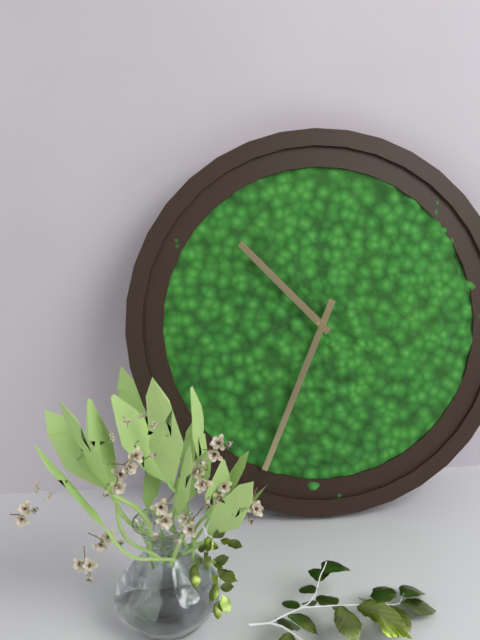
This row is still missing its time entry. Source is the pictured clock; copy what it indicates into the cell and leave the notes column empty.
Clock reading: 10:34
